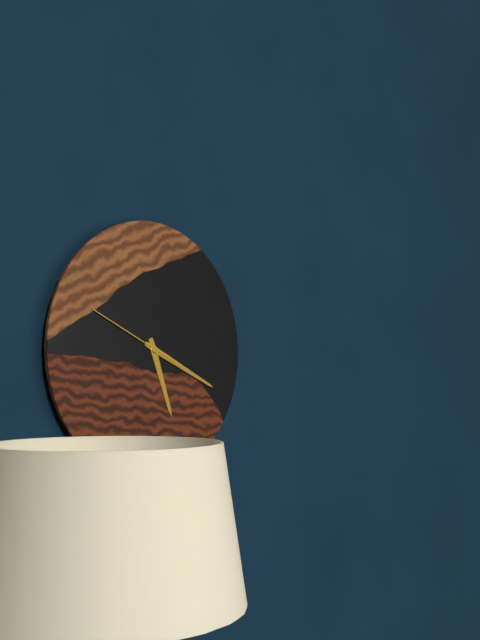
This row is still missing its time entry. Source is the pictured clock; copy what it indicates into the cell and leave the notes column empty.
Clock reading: 5:19:49
